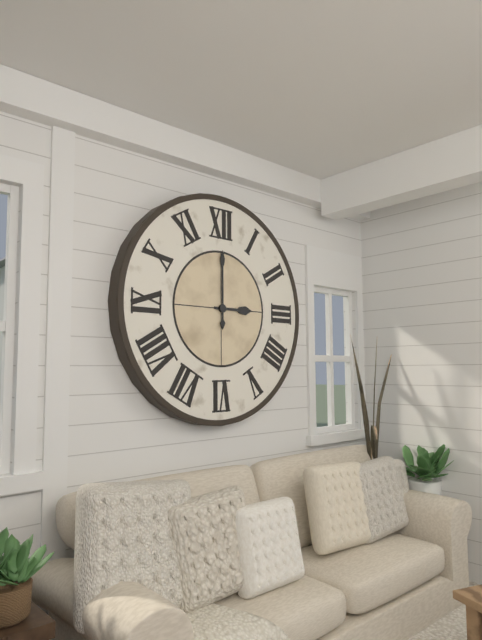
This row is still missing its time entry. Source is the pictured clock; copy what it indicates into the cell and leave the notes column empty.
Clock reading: 3:00
